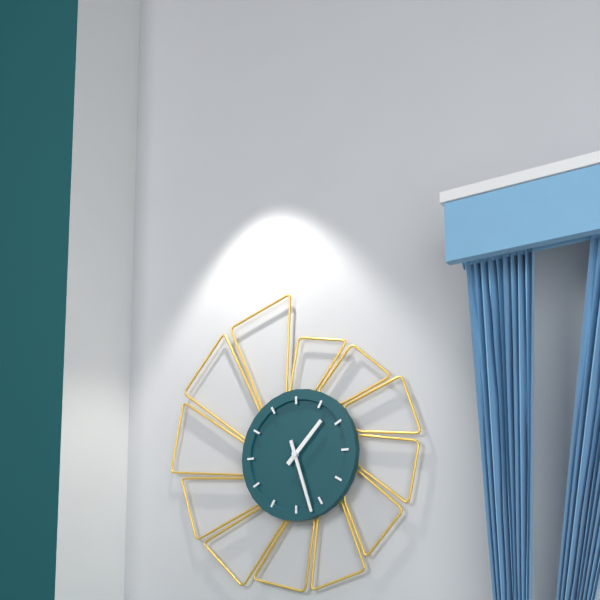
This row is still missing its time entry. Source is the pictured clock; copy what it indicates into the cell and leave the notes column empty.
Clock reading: 1:27
